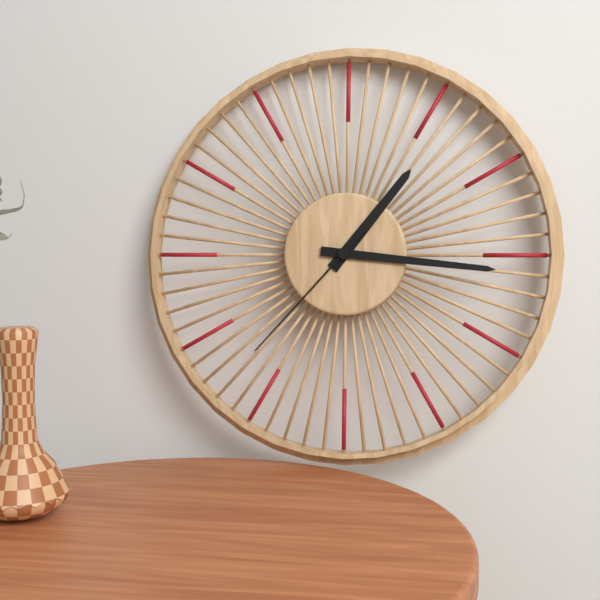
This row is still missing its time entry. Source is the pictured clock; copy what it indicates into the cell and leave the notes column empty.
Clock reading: 1:16:37
